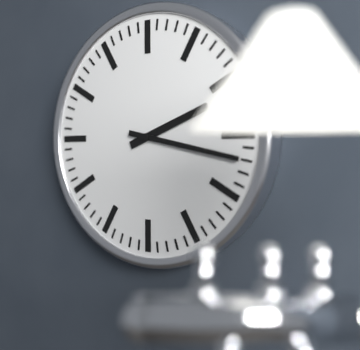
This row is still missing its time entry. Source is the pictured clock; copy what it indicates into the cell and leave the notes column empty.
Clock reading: 2:17
